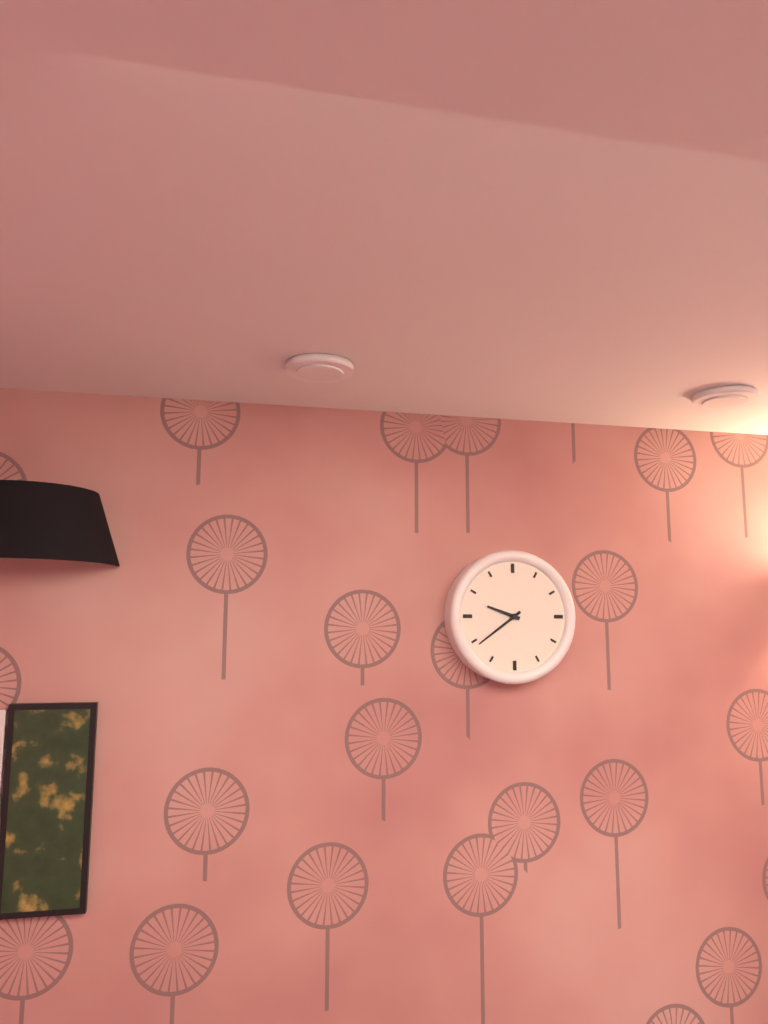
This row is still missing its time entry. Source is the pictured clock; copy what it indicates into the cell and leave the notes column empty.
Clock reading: 9:39
